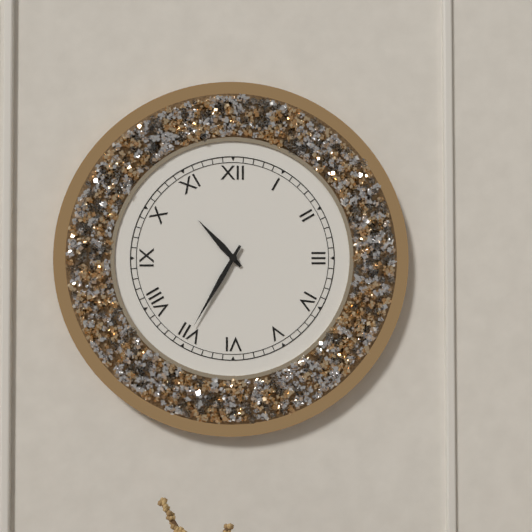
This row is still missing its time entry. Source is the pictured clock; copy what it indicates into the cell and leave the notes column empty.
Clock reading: 10:35
